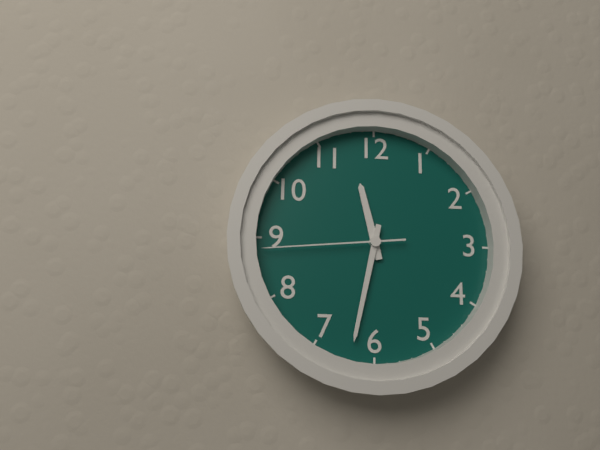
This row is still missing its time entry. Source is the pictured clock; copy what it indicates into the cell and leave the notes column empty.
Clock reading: 11:32:44
